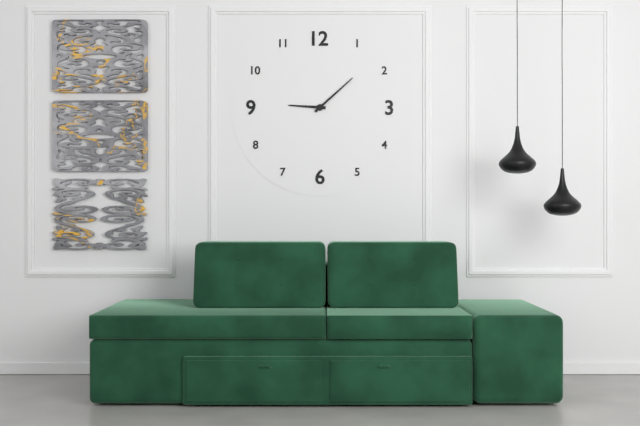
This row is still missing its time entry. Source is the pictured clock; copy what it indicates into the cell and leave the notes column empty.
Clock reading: 9:08
